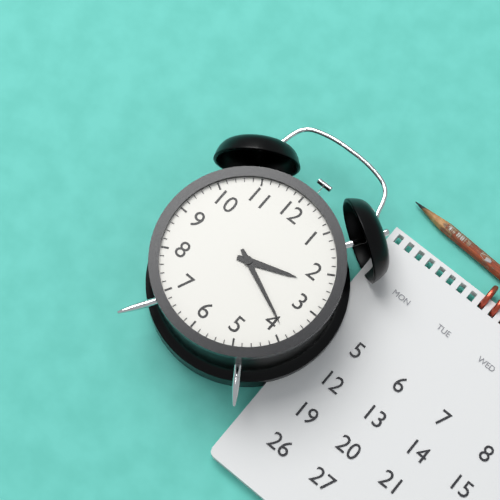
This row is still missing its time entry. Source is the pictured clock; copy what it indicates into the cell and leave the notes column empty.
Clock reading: 2:19
